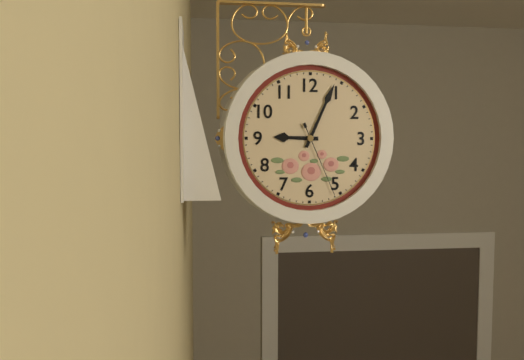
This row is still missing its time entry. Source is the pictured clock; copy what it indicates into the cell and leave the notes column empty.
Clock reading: 9:04:26
